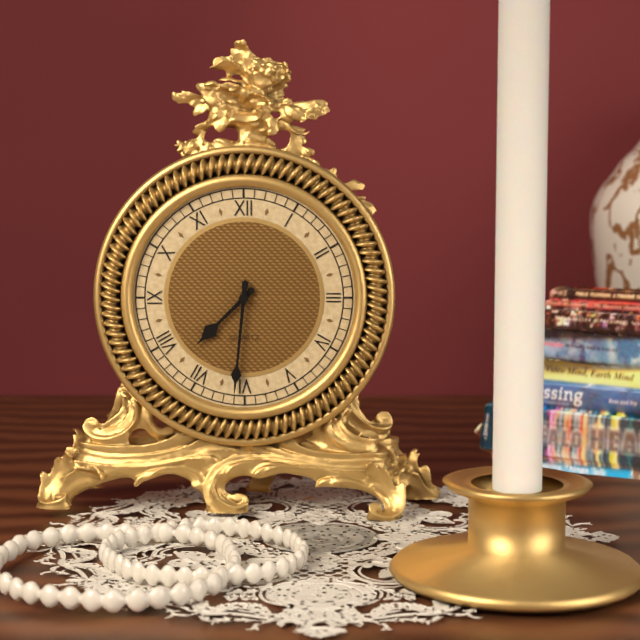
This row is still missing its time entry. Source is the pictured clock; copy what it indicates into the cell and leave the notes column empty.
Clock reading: 7:31
